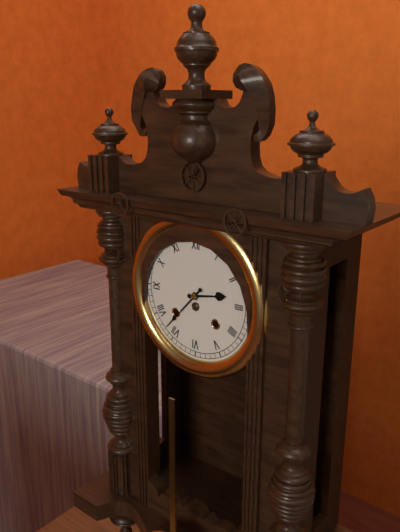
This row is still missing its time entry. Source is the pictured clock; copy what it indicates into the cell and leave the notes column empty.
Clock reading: 2:37
